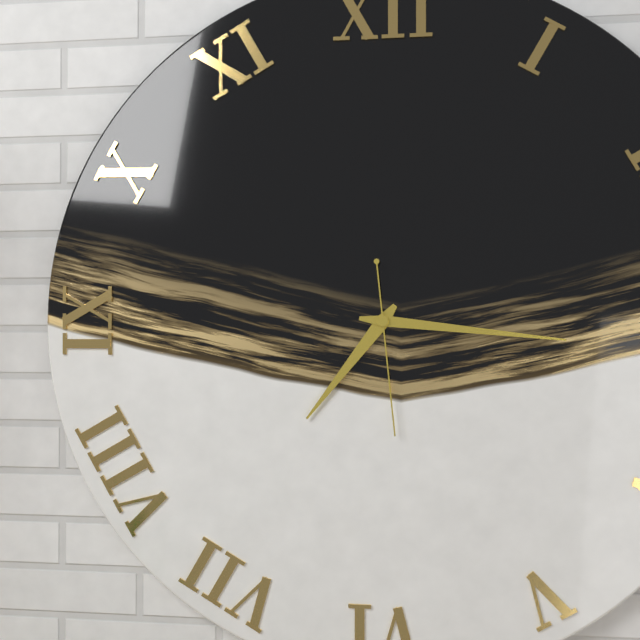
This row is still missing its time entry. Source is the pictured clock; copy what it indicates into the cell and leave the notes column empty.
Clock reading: 7:16:29
